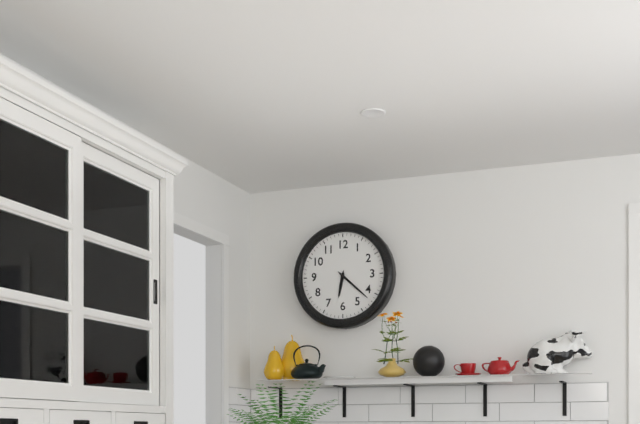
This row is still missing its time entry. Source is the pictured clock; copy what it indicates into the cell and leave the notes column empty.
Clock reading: 6:22
